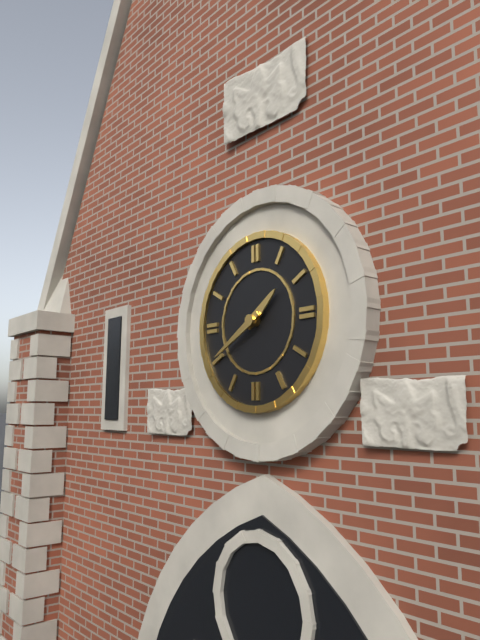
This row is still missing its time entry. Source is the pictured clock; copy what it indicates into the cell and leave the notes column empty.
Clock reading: 1:40
